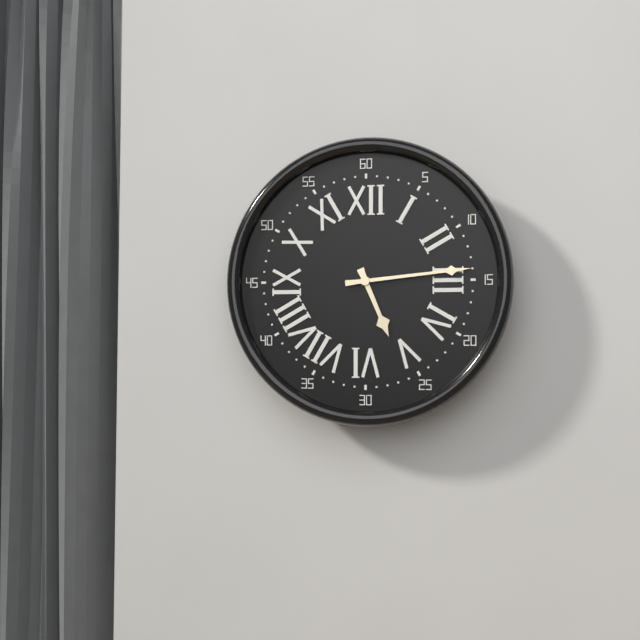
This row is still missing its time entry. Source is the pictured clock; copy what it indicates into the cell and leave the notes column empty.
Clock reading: 5:14
